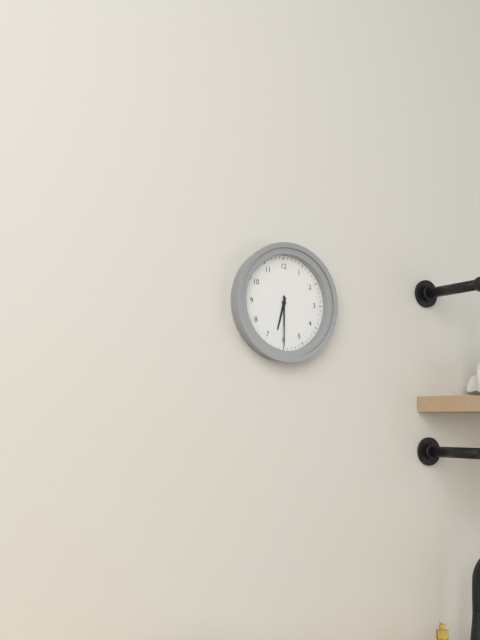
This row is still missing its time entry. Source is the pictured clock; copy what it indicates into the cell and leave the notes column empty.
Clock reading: 6:30
